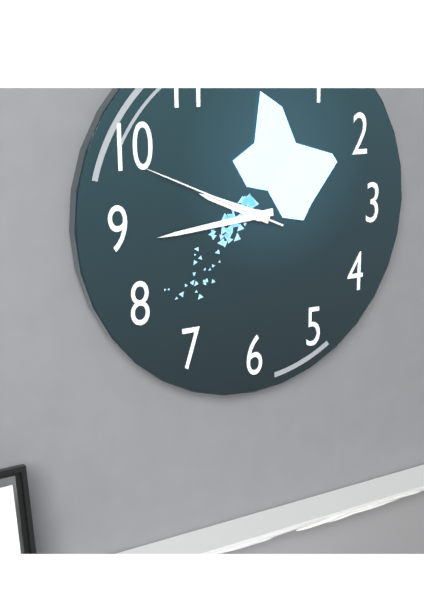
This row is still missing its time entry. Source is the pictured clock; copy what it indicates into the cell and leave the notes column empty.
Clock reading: 9:44:49
